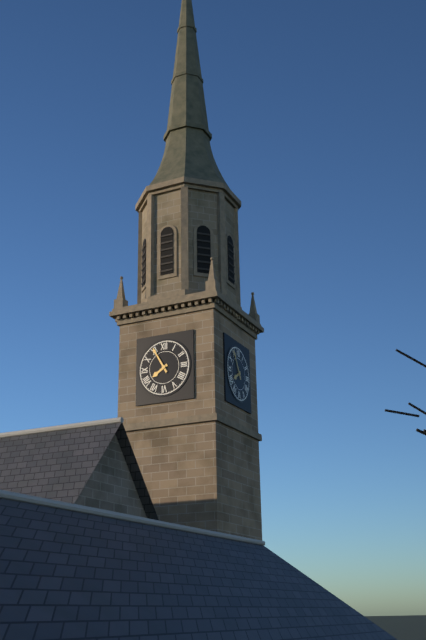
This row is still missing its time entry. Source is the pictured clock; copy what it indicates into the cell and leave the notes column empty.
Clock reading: 7:55
